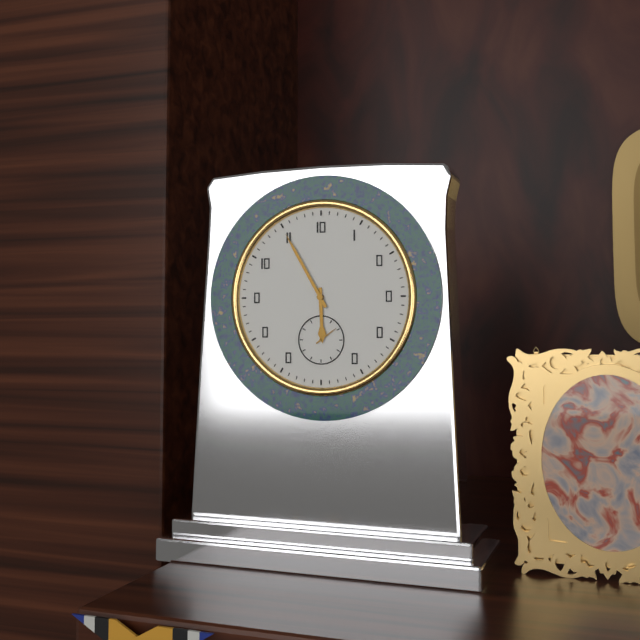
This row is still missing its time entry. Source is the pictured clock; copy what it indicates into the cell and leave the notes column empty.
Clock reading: 5:55
